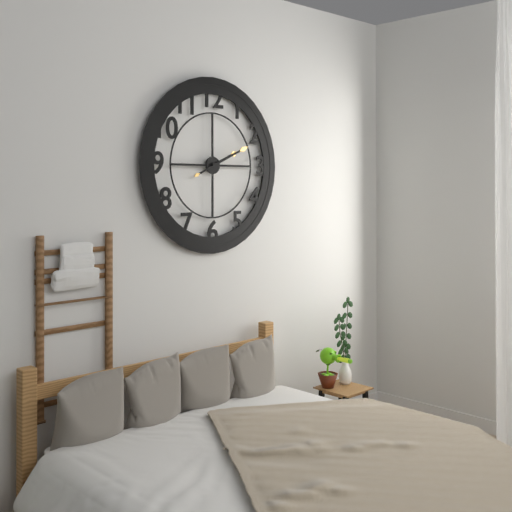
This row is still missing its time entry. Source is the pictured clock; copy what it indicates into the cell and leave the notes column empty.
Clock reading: 2:11
